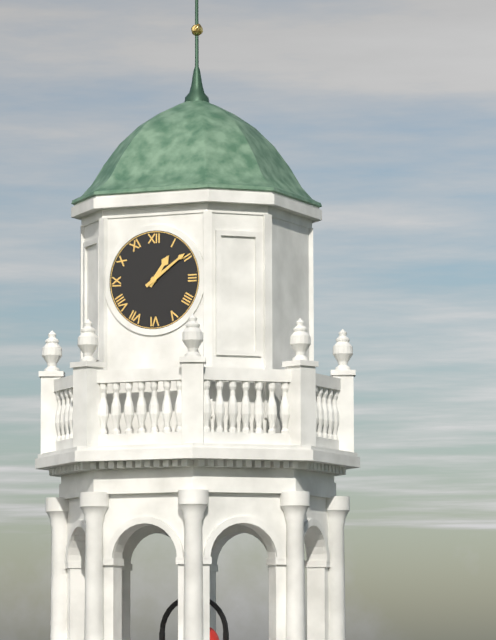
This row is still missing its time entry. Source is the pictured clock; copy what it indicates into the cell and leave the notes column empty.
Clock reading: 1:09
